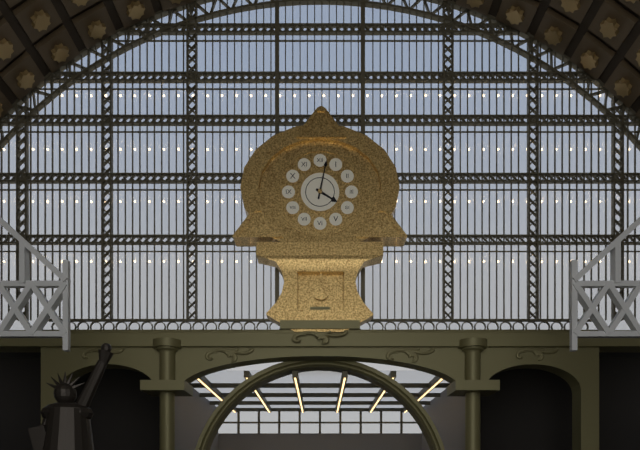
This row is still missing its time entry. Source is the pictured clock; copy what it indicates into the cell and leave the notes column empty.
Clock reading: 4:02
